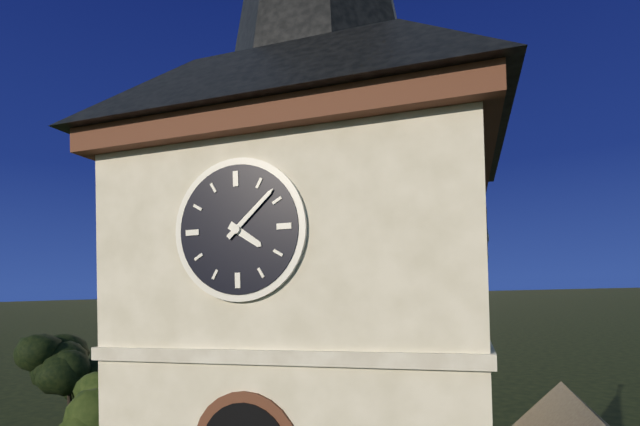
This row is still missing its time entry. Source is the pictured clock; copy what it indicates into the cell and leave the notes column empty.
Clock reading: 4:08
